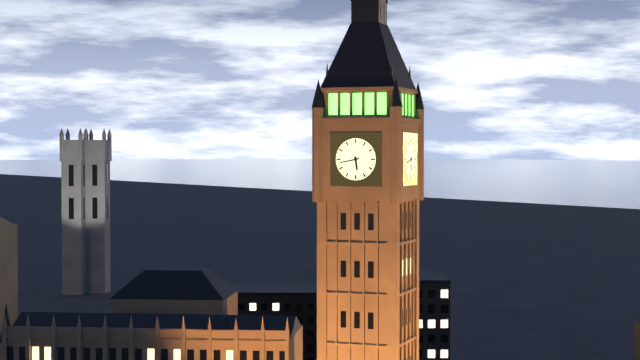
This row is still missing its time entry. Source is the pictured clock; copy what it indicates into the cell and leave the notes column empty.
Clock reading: 5:43
